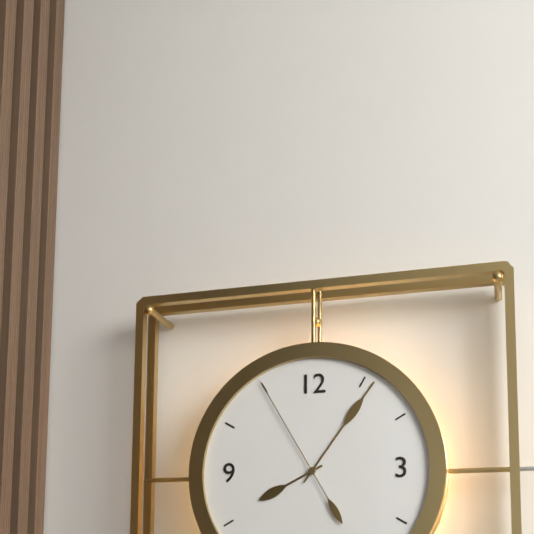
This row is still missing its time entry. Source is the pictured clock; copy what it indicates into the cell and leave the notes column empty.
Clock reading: 8:06:55
